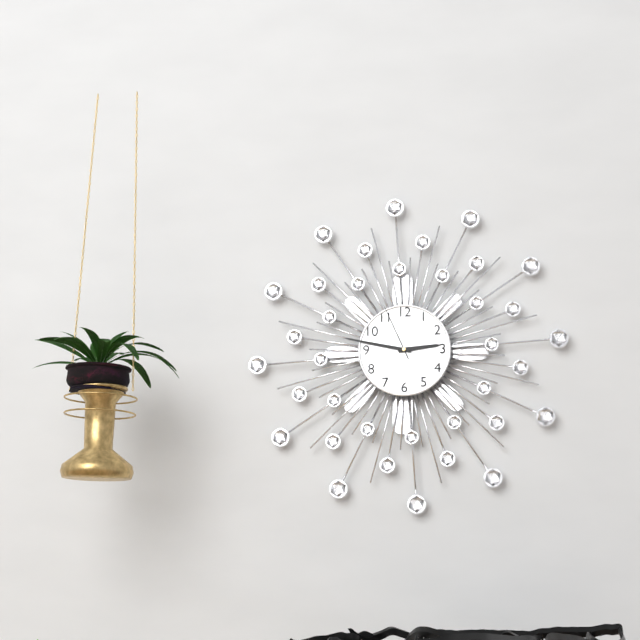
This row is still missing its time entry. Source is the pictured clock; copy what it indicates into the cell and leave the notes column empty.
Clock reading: 2:47:56
